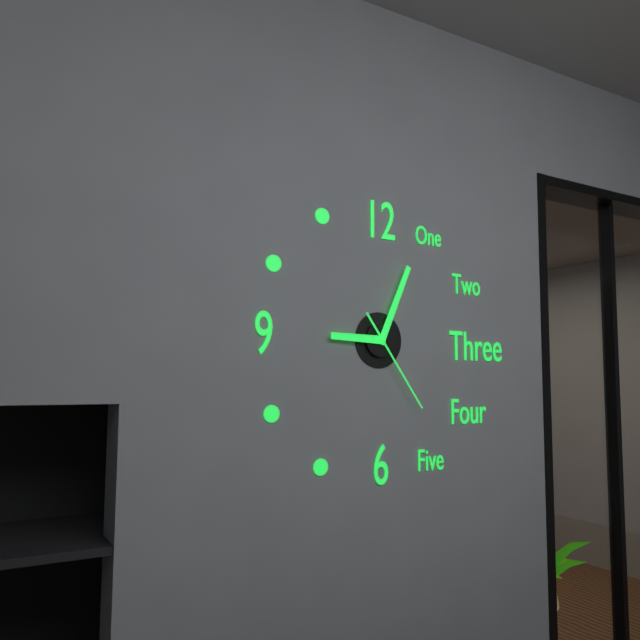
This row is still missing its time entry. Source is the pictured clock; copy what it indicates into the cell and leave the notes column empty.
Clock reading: 9:04:24
